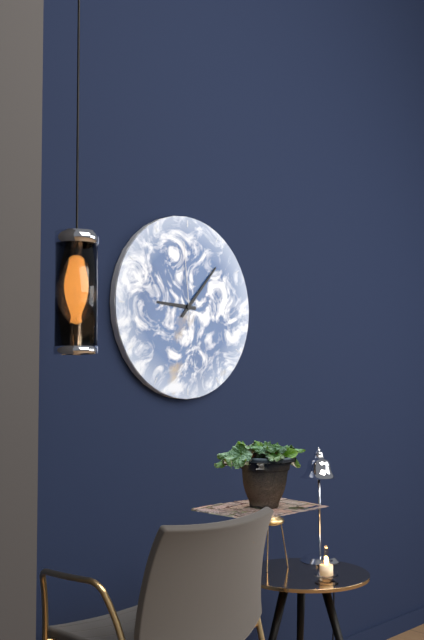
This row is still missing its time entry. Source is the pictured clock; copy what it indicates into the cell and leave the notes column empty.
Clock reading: 9:07:59
